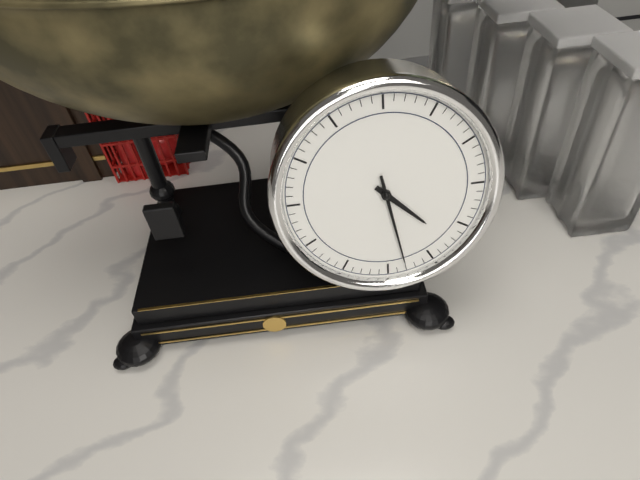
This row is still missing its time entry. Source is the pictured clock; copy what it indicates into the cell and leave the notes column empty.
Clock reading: 4:28
